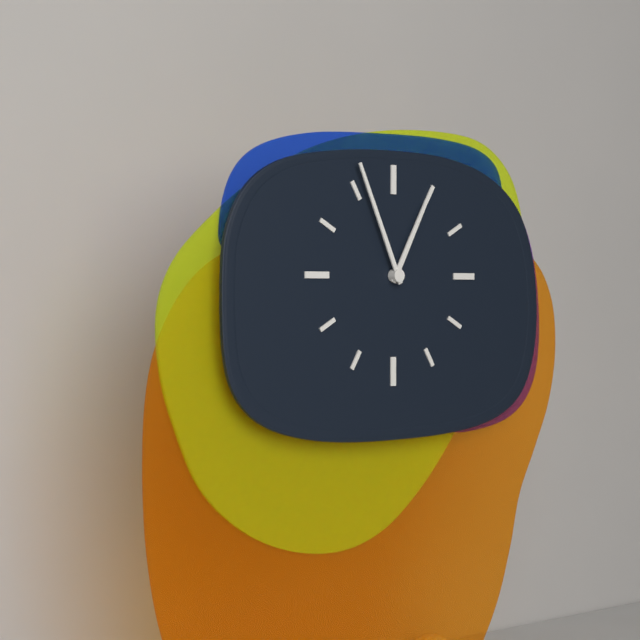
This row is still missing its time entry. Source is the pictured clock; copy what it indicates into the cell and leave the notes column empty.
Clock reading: 12:56
